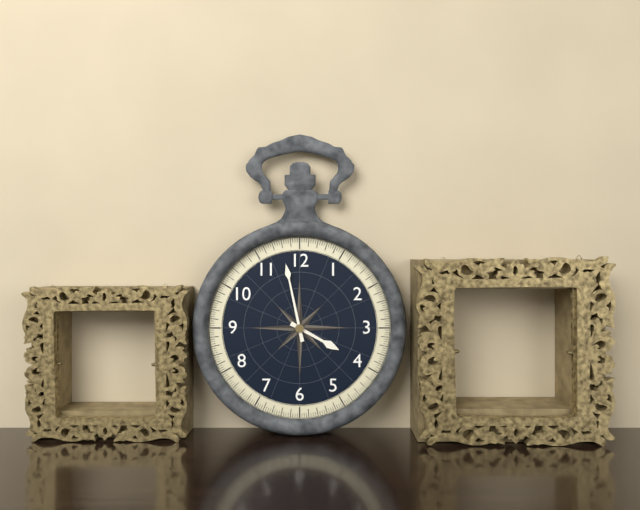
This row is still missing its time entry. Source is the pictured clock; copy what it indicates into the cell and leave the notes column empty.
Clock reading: 3:58
